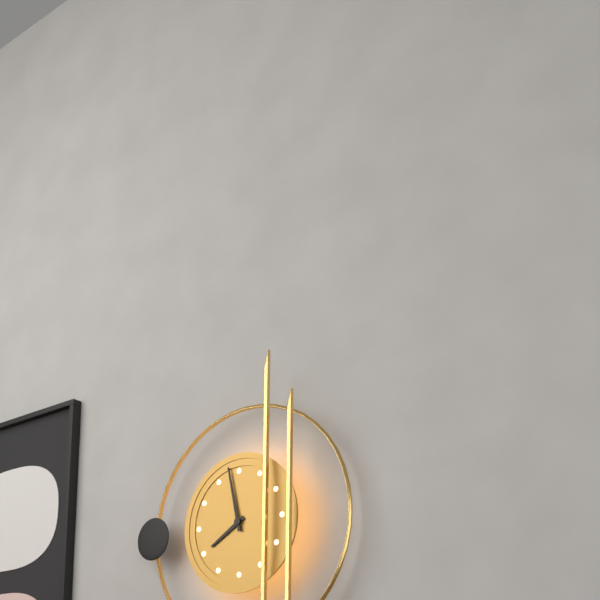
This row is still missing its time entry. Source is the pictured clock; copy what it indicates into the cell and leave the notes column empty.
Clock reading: 7:58
